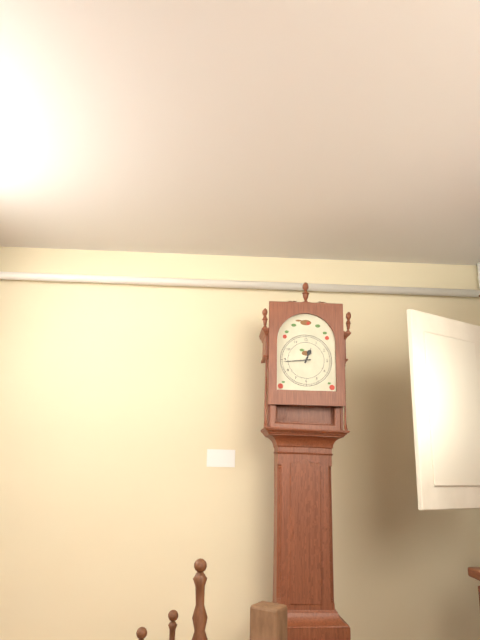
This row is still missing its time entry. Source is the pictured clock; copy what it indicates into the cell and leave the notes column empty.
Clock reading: 12:44
